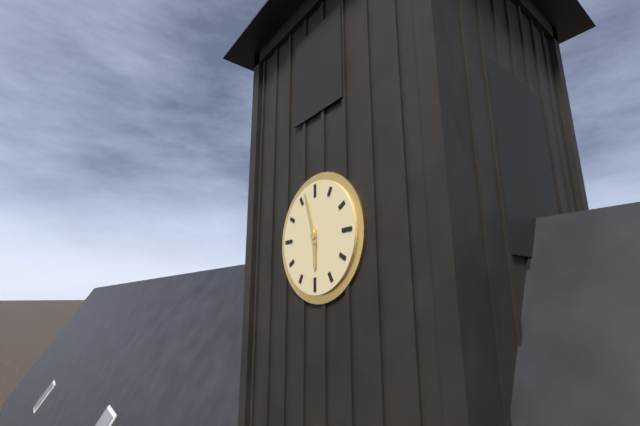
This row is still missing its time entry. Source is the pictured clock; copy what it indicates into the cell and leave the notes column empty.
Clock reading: 5:57
